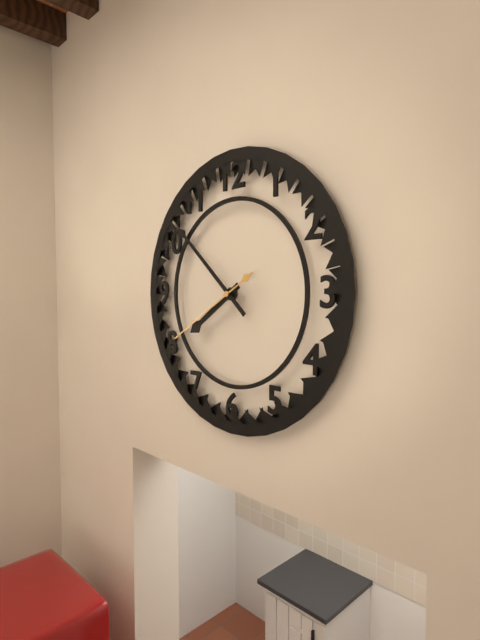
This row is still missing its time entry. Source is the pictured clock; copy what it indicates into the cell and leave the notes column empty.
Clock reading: 7:52:40
